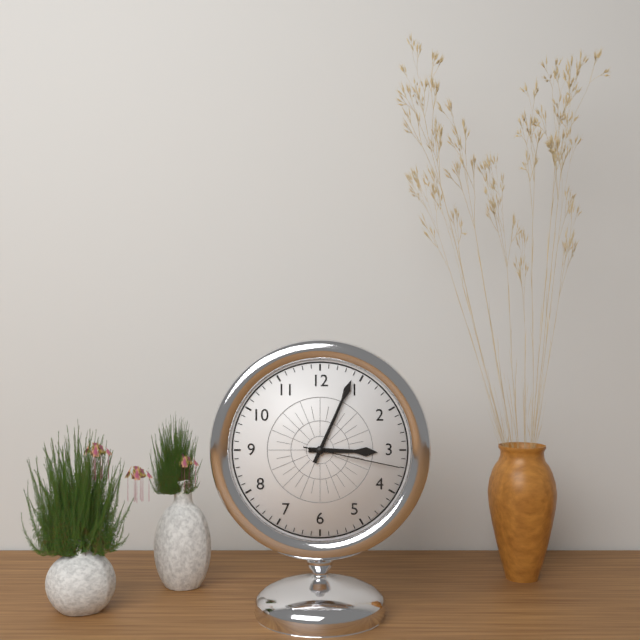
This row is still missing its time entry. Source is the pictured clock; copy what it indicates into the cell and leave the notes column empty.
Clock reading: 3:04:17
